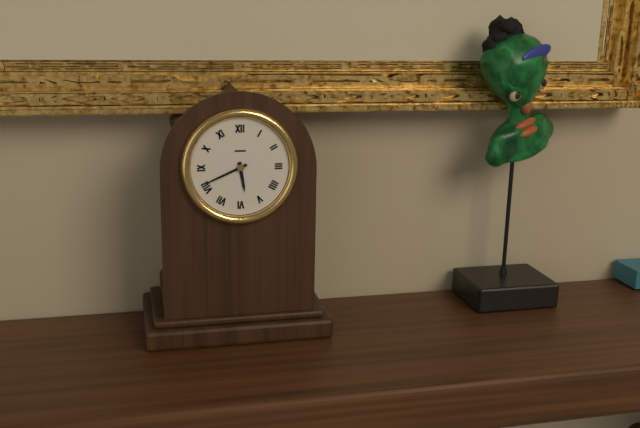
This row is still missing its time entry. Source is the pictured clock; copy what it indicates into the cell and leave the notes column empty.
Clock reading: 5:41
